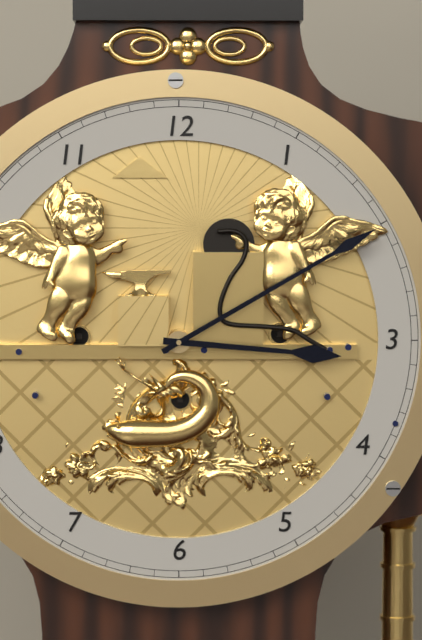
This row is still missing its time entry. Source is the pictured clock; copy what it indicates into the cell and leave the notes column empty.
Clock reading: 3:10
